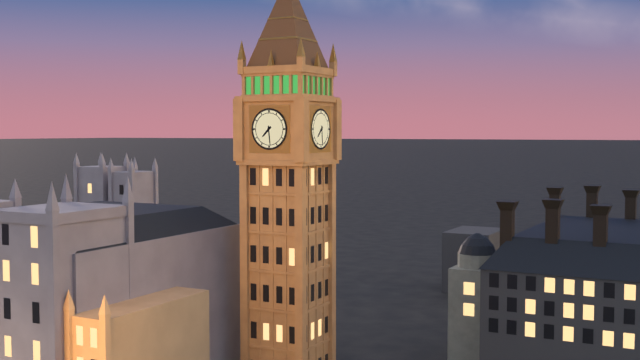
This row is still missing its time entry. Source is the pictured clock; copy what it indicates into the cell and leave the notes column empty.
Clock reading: 7:29
